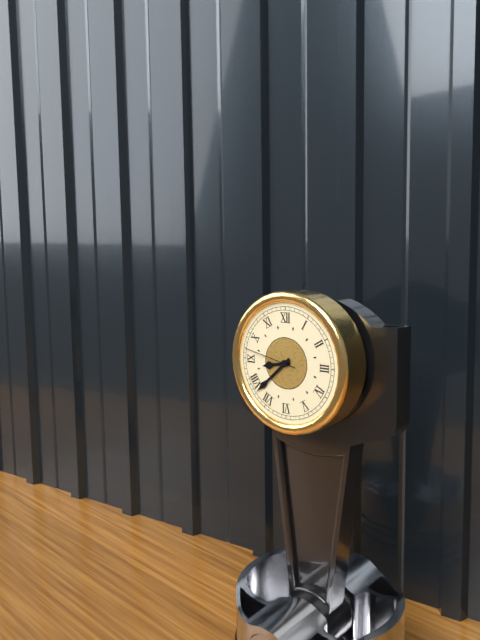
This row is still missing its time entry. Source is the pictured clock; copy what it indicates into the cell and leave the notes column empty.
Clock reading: 8:38:47
